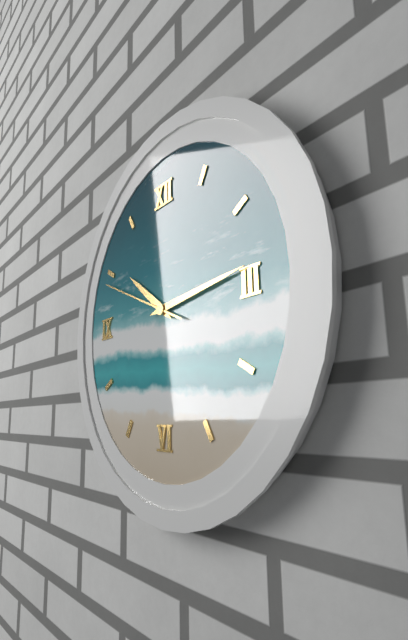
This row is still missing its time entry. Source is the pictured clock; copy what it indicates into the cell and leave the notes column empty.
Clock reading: 10:14:49
